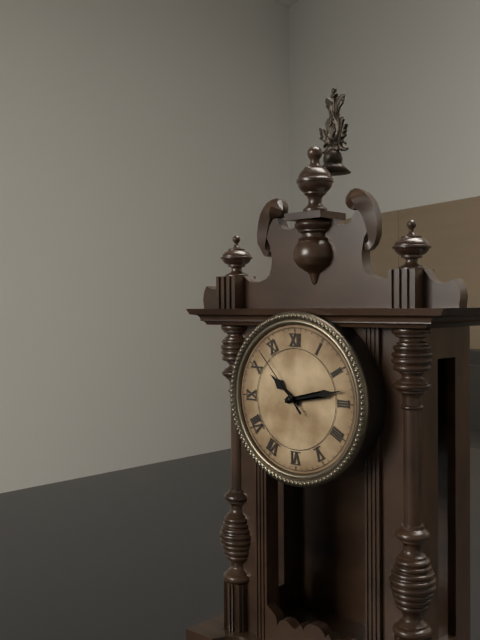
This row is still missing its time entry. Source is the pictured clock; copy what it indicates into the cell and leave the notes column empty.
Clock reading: 10:13:53
